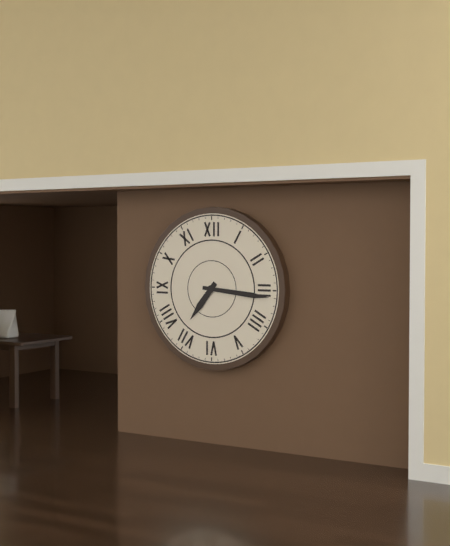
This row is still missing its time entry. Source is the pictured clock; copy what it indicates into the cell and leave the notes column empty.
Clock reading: 7:16
